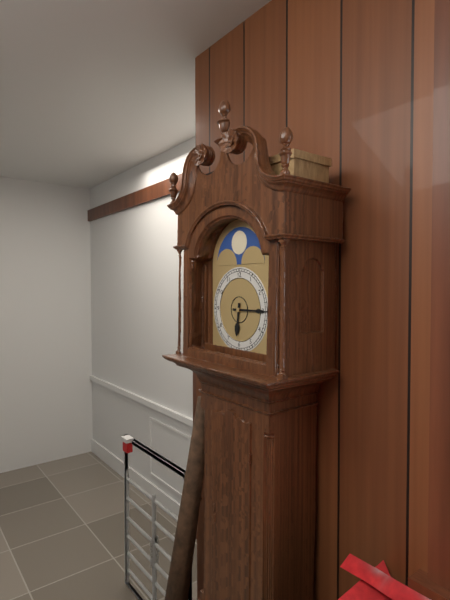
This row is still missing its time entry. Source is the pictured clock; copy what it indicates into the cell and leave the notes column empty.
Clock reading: 6:15
